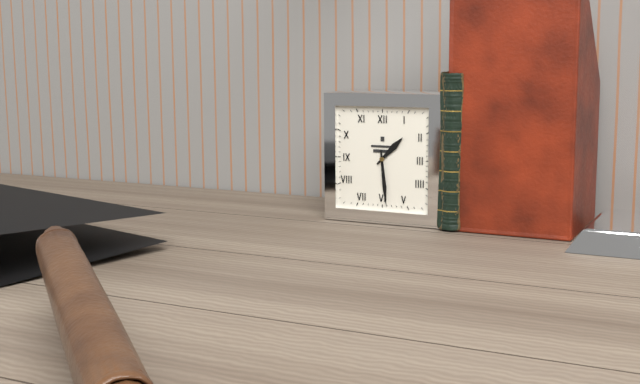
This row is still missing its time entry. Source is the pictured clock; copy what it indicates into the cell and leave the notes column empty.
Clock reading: 1:29
